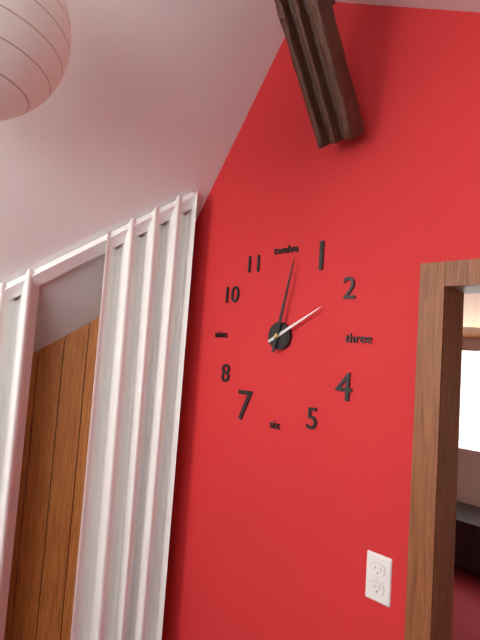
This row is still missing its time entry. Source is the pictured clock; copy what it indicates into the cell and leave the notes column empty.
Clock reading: 2:02
